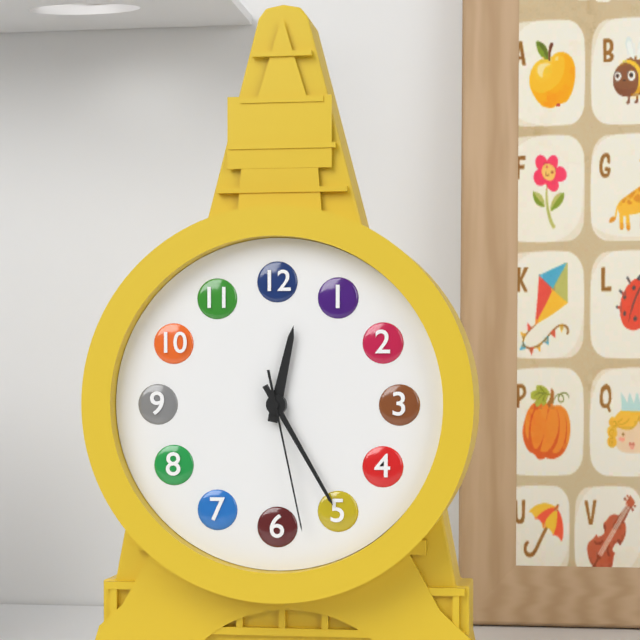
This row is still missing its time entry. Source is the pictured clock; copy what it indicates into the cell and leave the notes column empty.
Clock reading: 12:25:28
